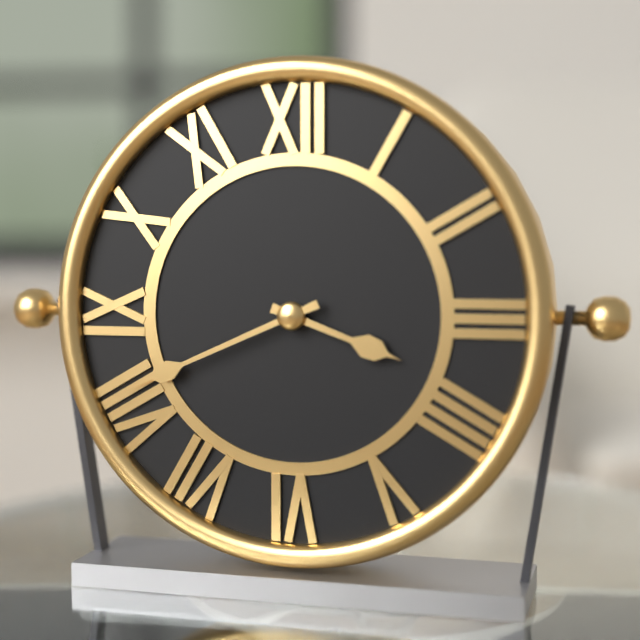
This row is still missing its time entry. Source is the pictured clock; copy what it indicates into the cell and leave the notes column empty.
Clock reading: 3:41
